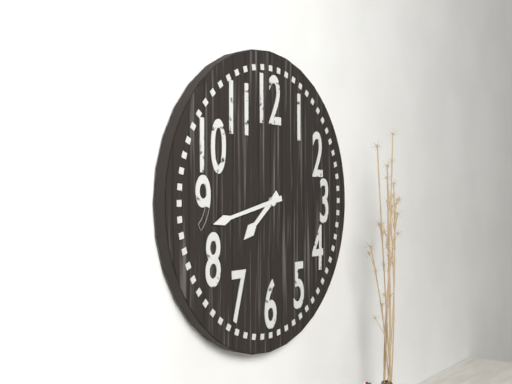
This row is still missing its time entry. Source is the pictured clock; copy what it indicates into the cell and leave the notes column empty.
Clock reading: 7:43
